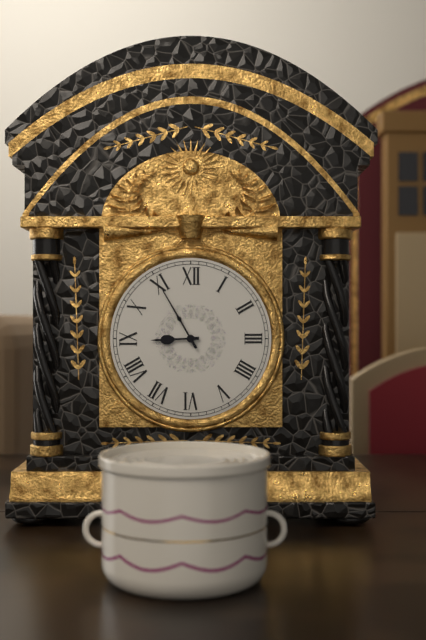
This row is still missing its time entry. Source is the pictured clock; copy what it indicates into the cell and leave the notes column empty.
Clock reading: 8:55
